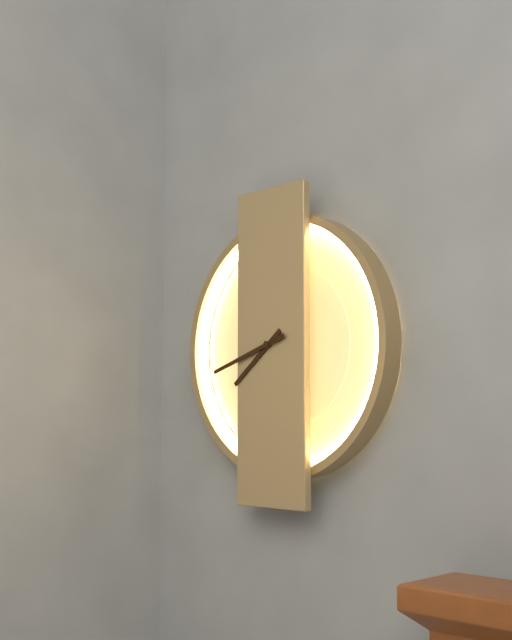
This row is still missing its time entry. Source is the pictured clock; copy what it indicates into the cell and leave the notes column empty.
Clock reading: 7:42
